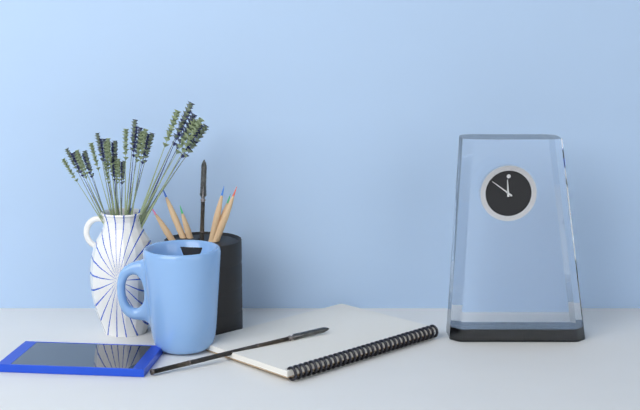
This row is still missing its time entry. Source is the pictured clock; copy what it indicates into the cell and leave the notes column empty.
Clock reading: 11:51
